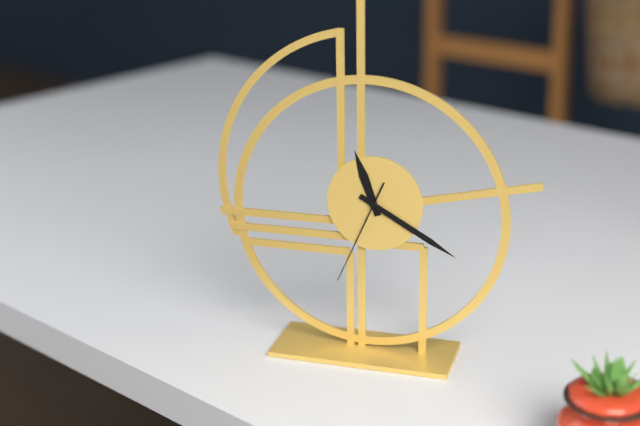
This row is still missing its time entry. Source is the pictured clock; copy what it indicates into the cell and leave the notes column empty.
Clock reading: 11:20:34
